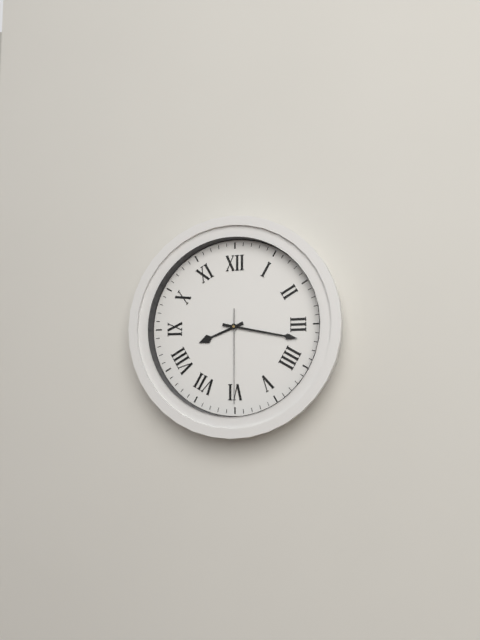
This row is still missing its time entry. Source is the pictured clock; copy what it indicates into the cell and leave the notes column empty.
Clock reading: 8:17:30
